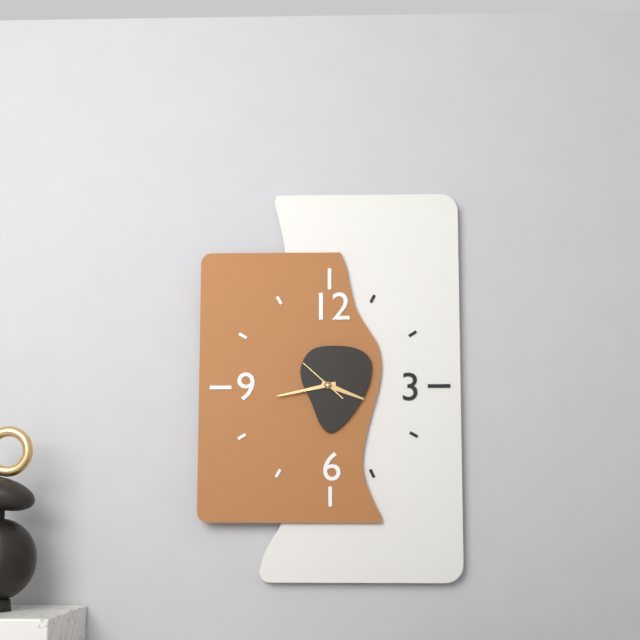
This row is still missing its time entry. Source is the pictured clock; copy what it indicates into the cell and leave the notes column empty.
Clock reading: 3:43
